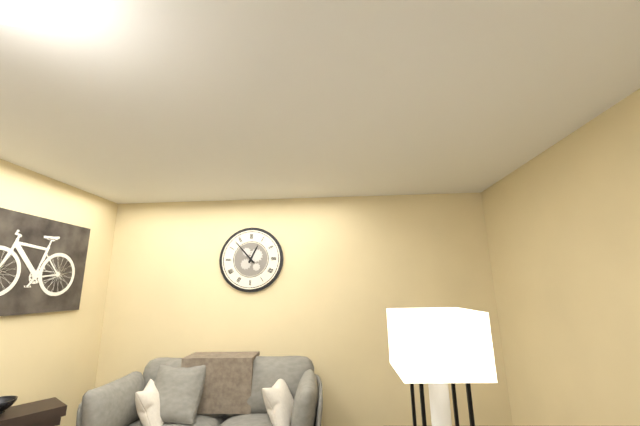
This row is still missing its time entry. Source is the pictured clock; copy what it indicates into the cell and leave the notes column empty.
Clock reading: 12:53
